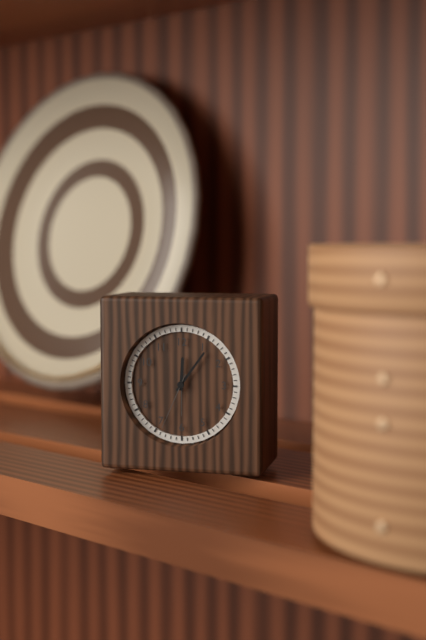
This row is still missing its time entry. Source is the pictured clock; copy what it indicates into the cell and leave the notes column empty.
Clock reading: 12:06:34
